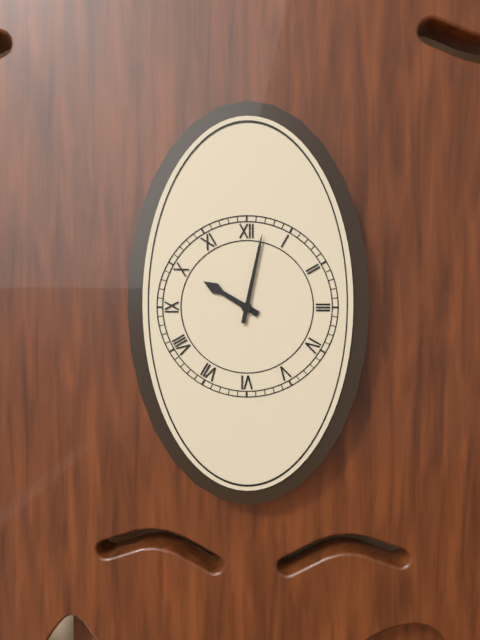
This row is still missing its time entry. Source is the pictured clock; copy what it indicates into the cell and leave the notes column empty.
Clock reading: 10:02
